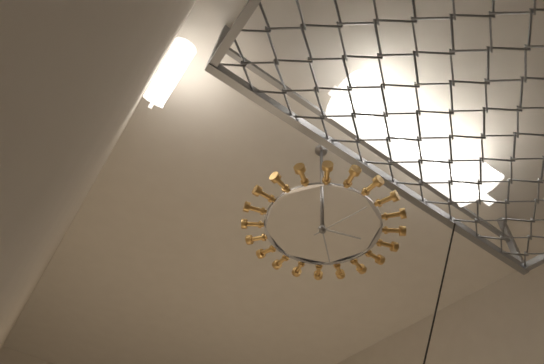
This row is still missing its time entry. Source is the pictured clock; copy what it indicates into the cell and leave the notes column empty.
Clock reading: 2:22:02
